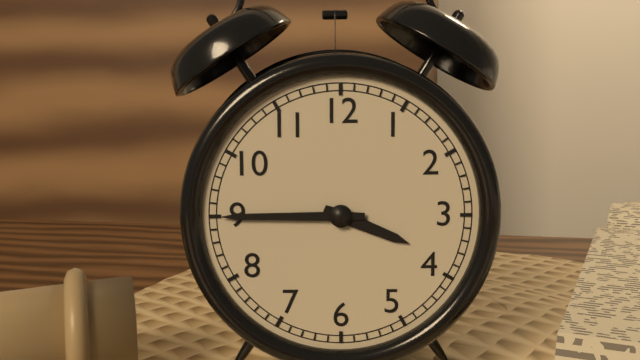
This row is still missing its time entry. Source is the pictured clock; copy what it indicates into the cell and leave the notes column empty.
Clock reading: 3:45
